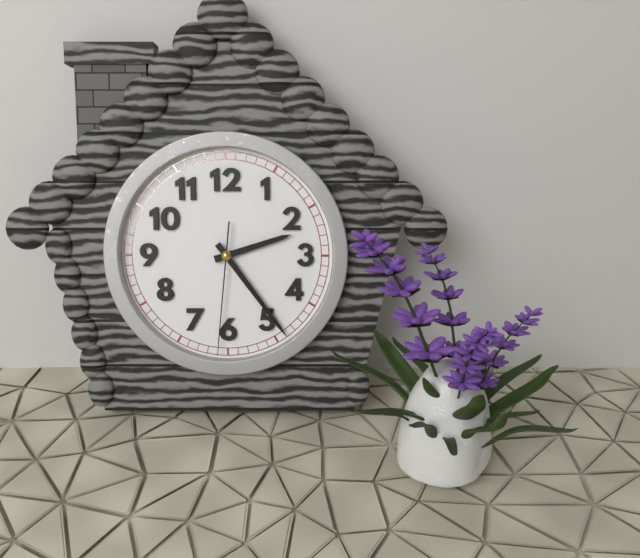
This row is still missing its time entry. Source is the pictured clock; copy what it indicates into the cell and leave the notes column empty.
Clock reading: 2:24:31
